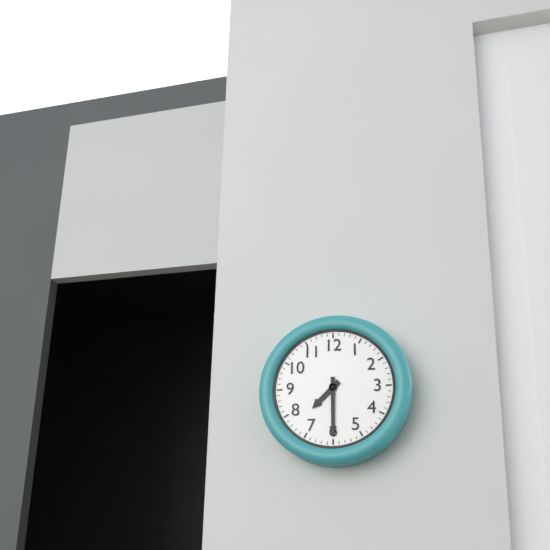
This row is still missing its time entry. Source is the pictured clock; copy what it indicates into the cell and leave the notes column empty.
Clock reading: 7:30
